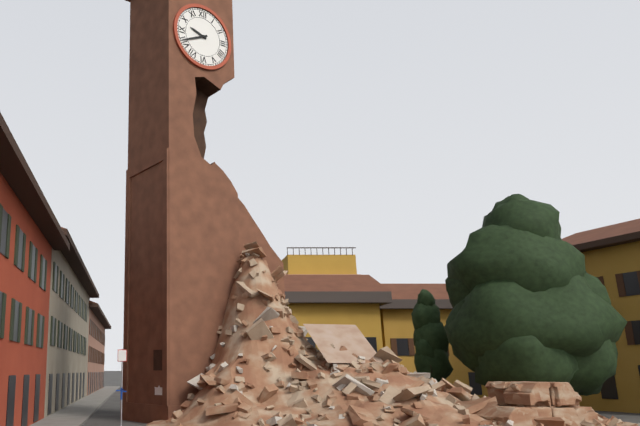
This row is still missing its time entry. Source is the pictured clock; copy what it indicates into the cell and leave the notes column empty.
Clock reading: 9:41
